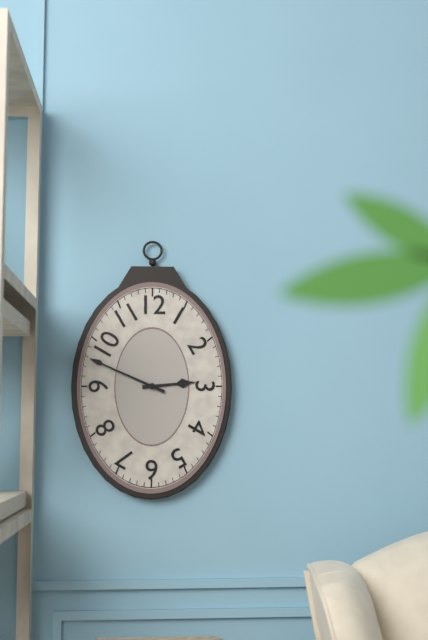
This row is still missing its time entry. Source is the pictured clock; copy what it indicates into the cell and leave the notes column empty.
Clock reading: 2:49
